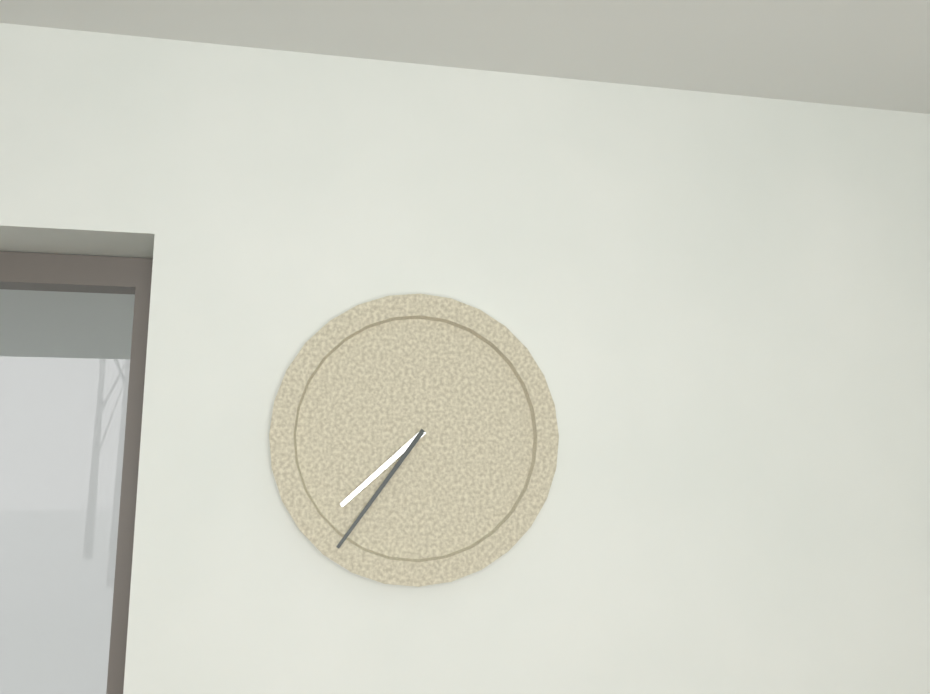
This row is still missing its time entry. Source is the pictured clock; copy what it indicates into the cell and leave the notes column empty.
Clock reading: 7:36
